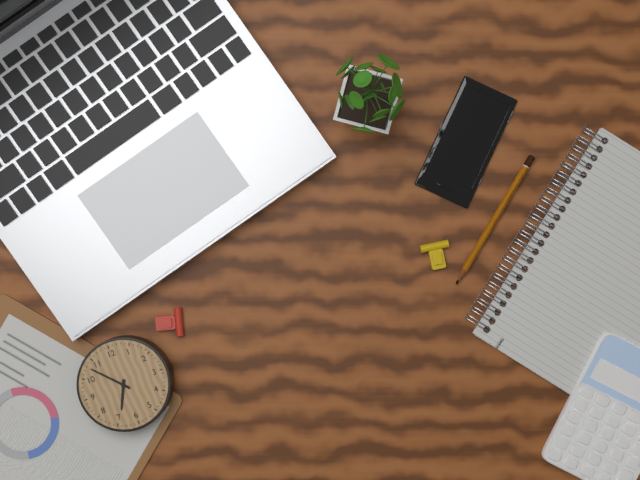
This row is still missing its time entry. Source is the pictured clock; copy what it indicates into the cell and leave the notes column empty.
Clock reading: 6:53
